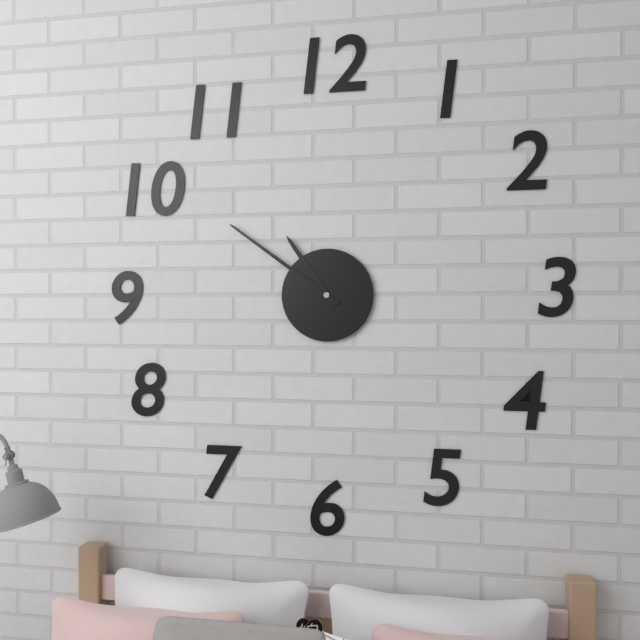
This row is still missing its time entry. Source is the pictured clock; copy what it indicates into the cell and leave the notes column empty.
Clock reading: 10:51
